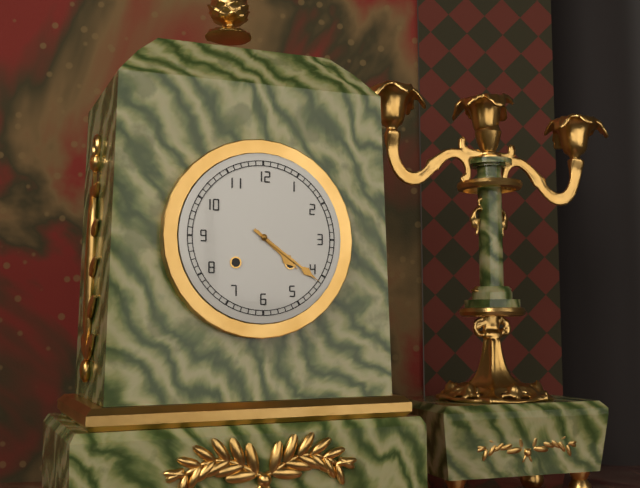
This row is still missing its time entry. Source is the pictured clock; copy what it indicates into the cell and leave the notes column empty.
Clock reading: 4:21
